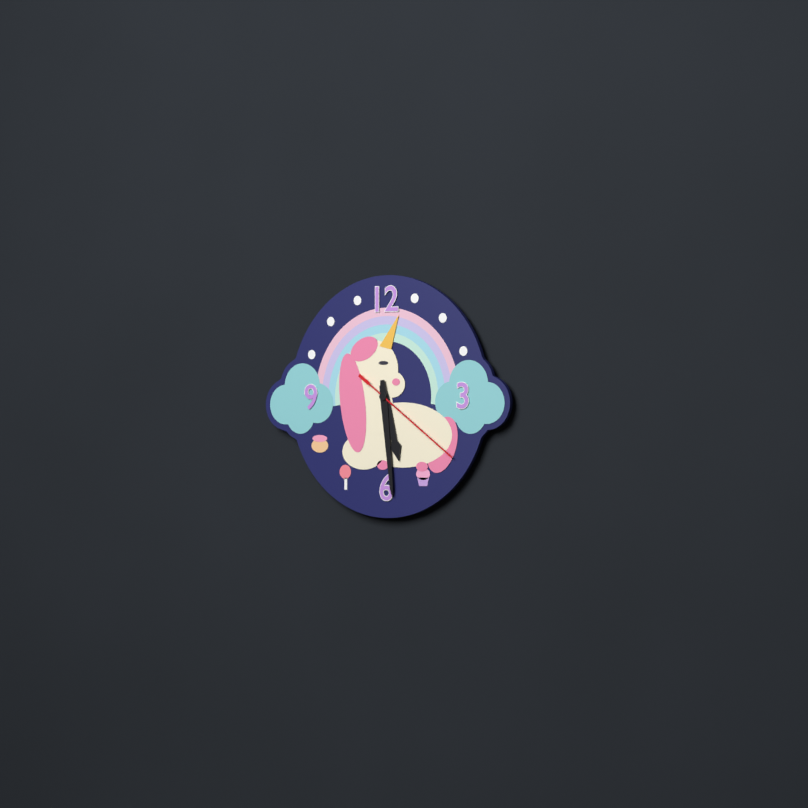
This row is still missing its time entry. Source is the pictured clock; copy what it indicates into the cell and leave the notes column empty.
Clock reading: 5:29:21
